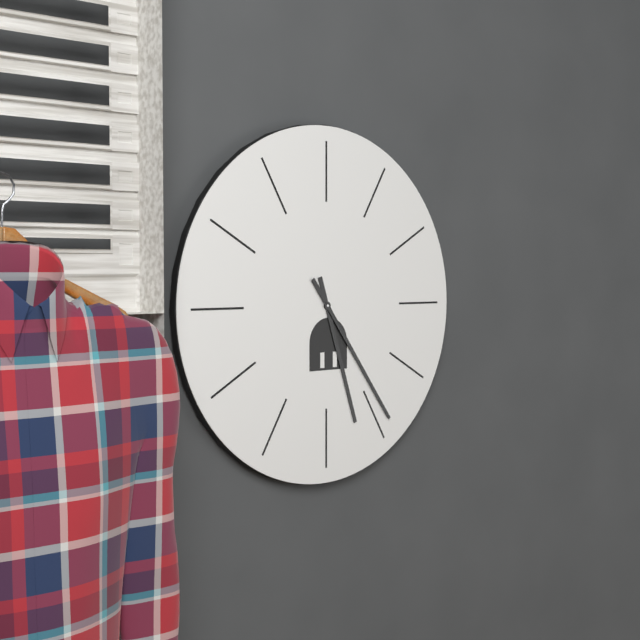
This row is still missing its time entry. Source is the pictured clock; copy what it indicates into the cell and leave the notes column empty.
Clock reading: 5:24
